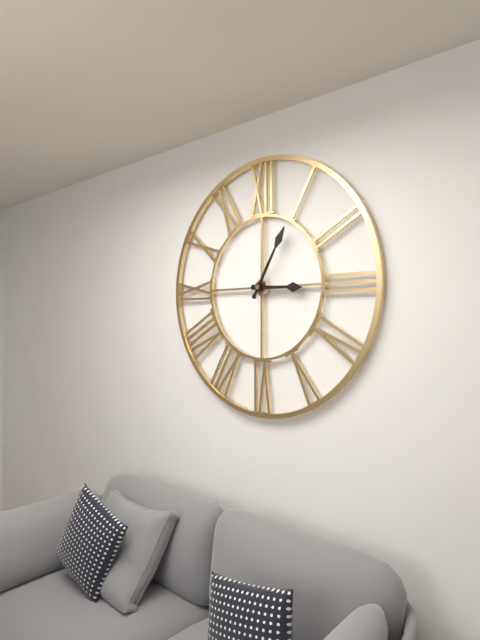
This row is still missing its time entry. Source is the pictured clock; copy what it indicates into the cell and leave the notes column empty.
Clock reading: 3:05
